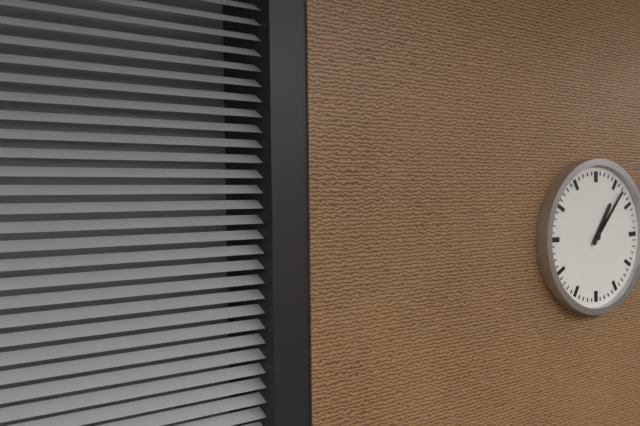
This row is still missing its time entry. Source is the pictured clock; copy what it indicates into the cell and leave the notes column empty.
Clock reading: 1:07
